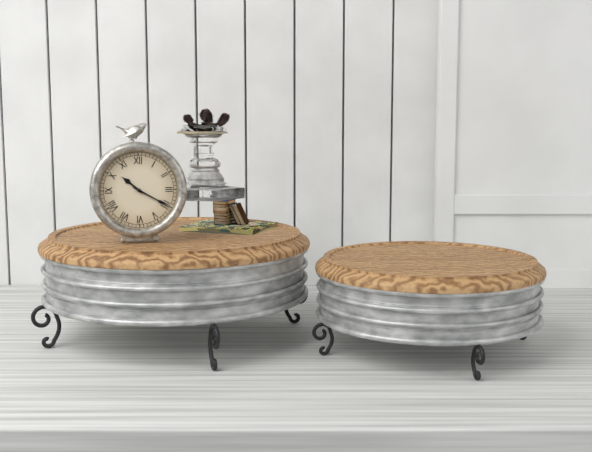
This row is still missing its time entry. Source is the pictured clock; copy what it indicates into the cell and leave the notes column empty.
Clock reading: 10:20
